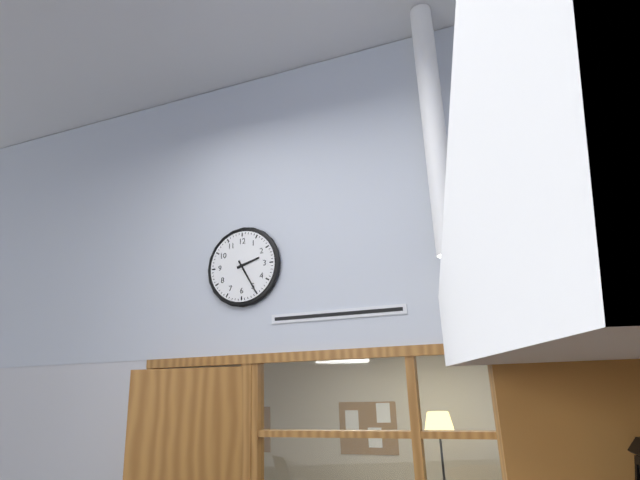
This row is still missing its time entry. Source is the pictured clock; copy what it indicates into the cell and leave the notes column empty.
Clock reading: 2:25
